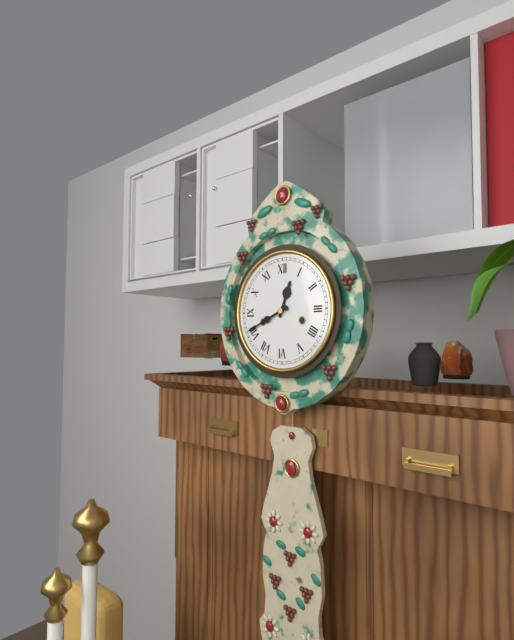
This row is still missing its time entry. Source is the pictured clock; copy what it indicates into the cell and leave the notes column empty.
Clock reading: 12:41
